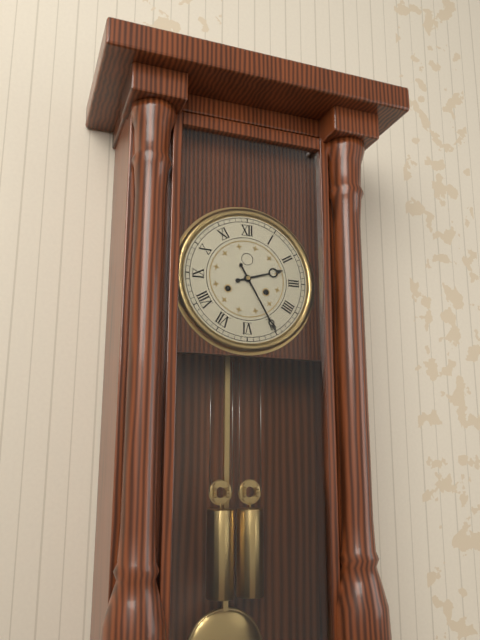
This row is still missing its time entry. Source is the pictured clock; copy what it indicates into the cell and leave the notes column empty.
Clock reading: 2:25
